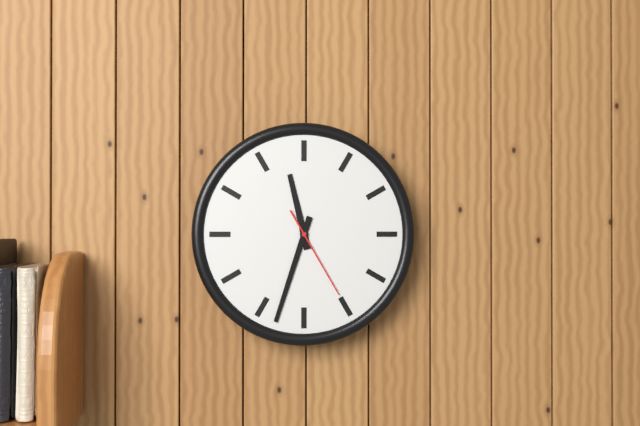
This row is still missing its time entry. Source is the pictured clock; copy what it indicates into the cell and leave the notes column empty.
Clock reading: 11:33:25
